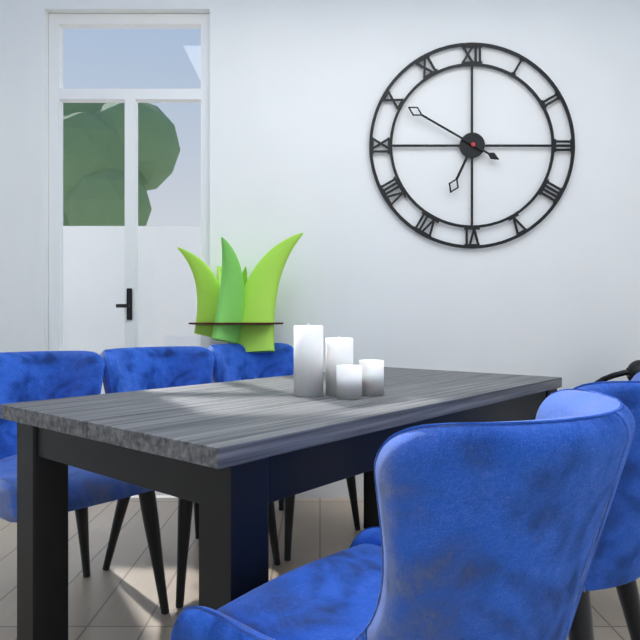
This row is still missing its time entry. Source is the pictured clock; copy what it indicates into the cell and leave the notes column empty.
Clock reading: 6:50
